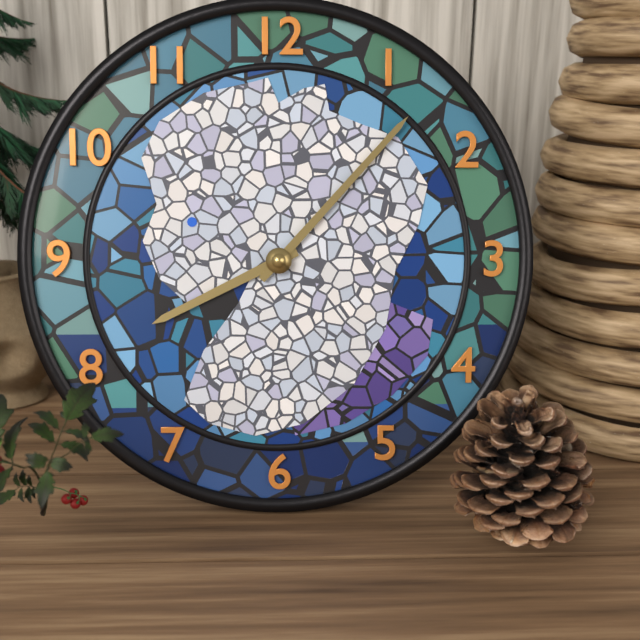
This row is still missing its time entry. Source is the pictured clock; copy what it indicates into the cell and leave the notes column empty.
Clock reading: 8:07
